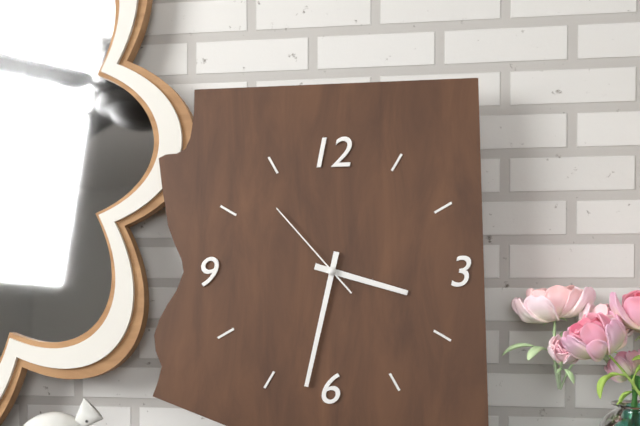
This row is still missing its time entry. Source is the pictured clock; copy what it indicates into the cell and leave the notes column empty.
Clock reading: 3:32:53
